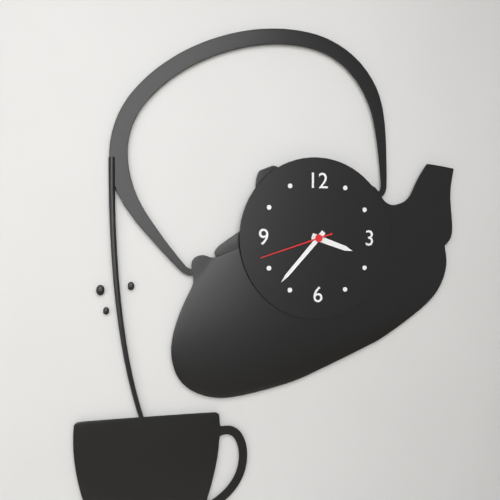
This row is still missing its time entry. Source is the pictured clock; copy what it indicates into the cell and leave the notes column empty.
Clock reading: 3:37:42
